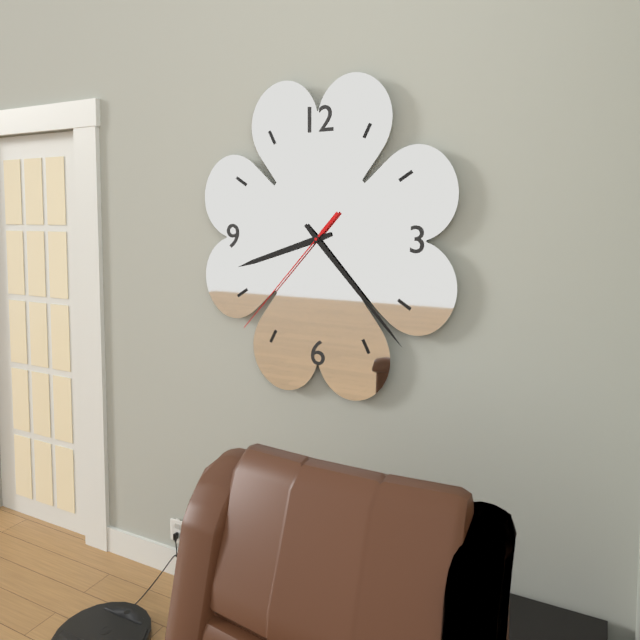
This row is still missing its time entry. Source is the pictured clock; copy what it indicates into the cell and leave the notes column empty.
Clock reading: 8:23:37
